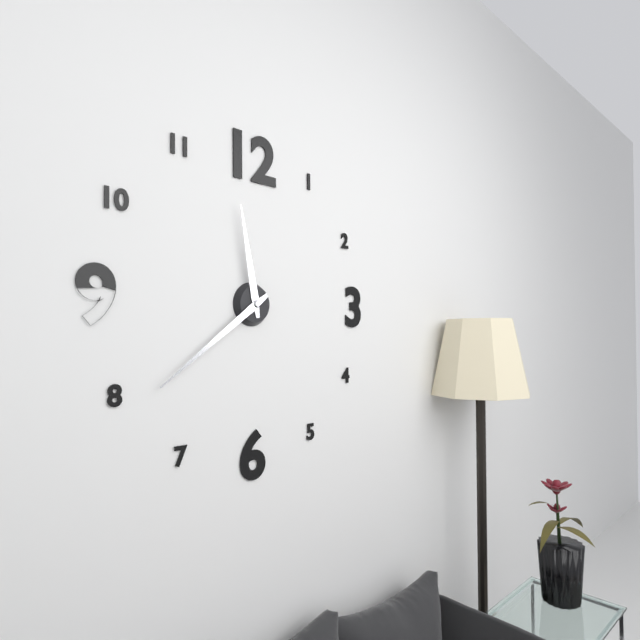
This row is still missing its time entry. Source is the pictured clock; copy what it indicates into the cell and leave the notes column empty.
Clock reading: 11:39
